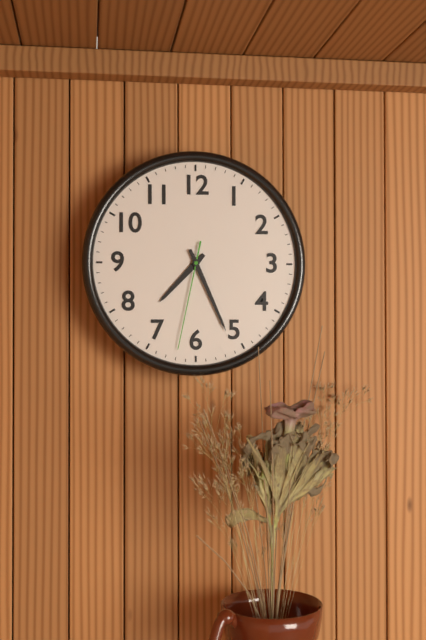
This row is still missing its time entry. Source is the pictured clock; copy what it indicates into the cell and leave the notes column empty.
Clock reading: 7:26:32
